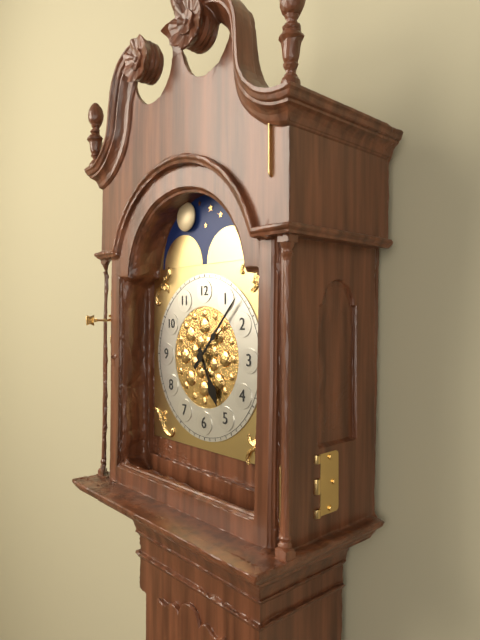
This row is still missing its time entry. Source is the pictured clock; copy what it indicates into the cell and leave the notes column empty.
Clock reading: 5:07
